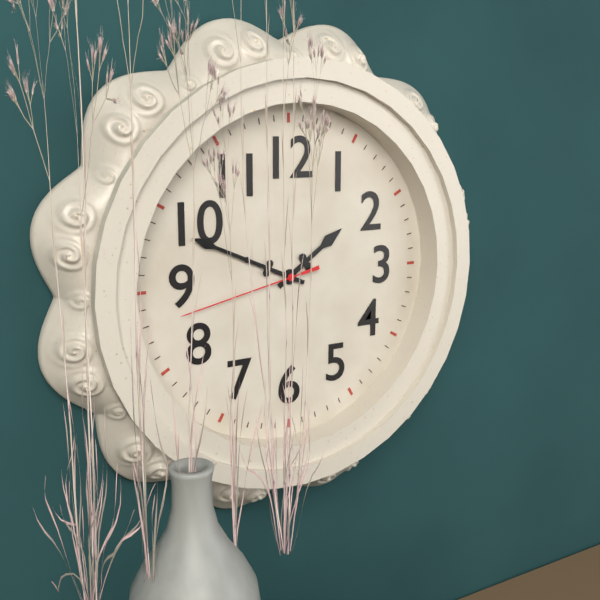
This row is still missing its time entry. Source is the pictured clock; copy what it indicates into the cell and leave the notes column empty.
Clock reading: 1:49:43
